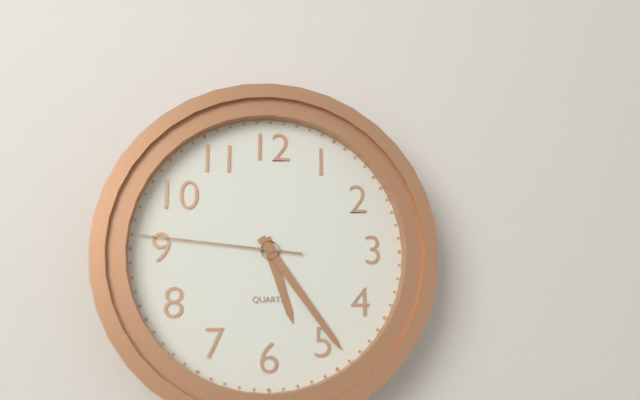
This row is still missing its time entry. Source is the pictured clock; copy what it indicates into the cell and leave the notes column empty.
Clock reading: 5:24:46
